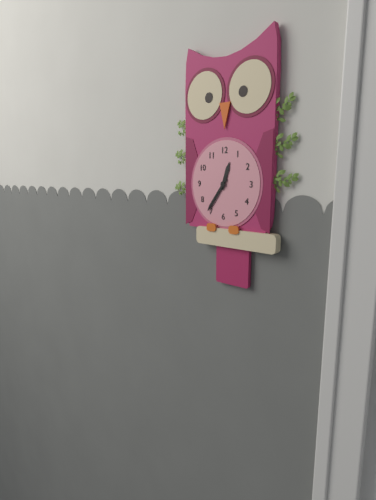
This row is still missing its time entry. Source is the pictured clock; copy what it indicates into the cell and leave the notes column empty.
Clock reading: 12:36
